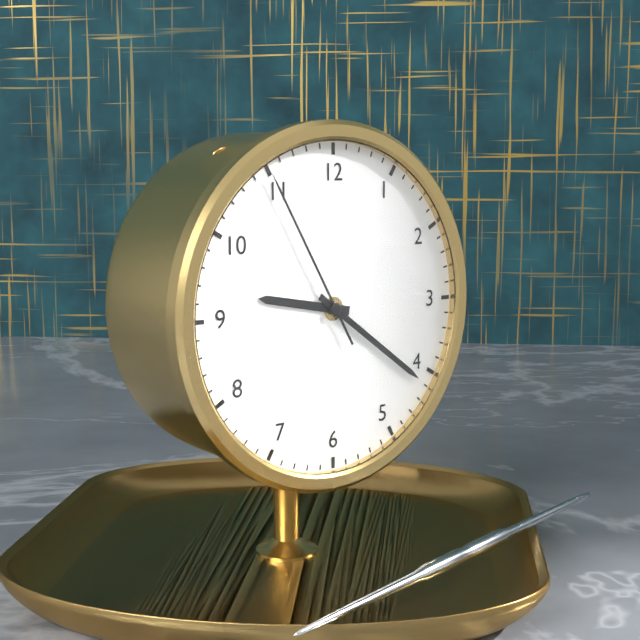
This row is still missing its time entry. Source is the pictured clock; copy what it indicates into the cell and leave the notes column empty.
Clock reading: 9:21:55
